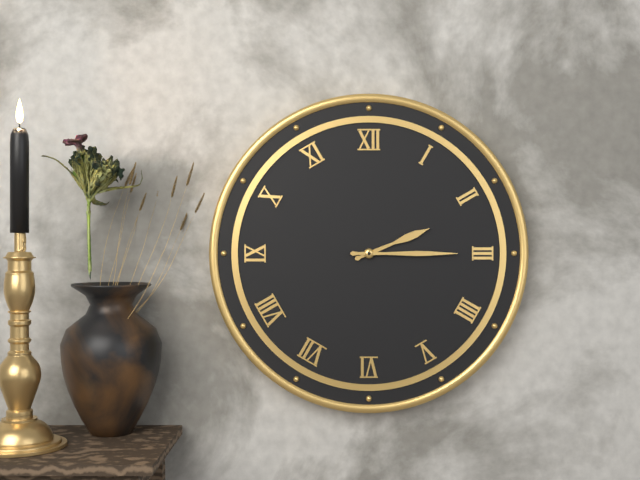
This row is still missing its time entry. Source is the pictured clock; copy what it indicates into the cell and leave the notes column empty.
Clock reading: 2:15
